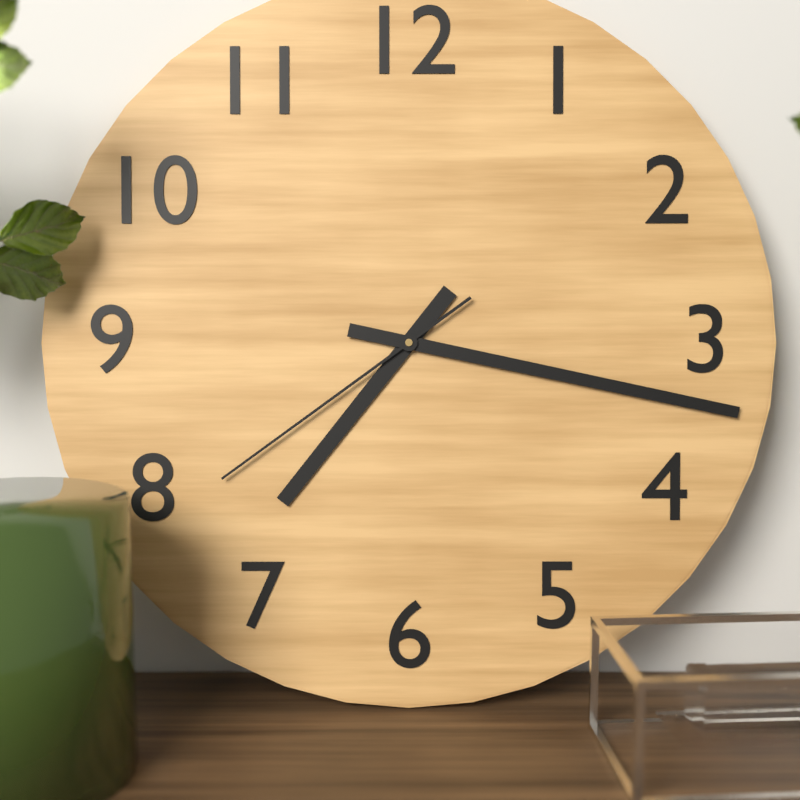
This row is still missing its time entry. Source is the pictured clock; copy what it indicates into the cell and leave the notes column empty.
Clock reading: 7:17:39
